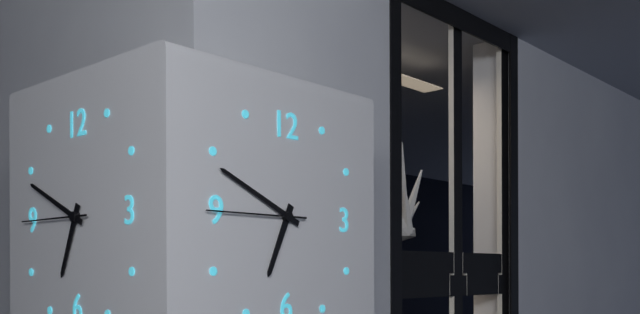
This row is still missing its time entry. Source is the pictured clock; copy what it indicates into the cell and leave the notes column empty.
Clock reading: 6:49:45
